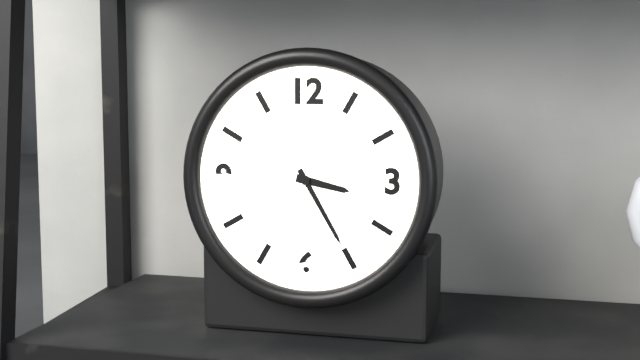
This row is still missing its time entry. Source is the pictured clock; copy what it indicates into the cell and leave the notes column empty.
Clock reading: 3:25
